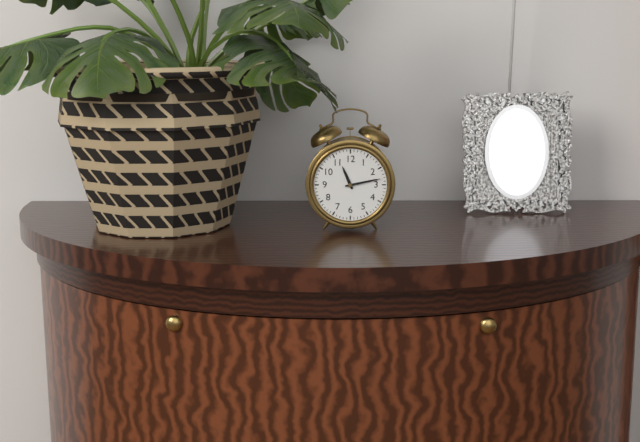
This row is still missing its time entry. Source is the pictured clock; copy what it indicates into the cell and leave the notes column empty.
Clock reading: 11:13
